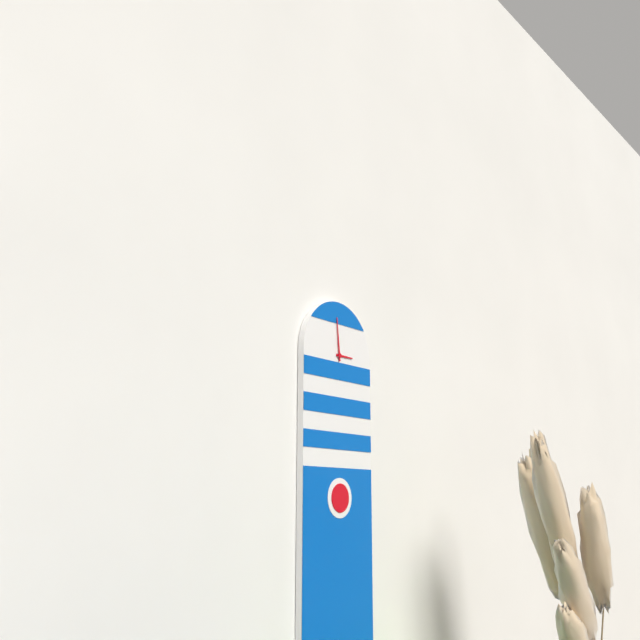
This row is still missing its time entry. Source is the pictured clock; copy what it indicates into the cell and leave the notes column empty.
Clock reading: 2:59
